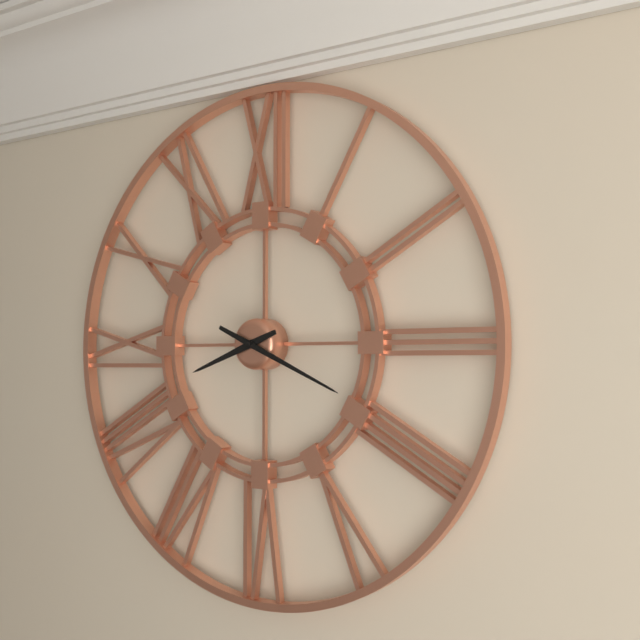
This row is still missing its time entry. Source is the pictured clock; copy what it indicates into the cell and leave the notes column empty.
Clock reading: 8:19
